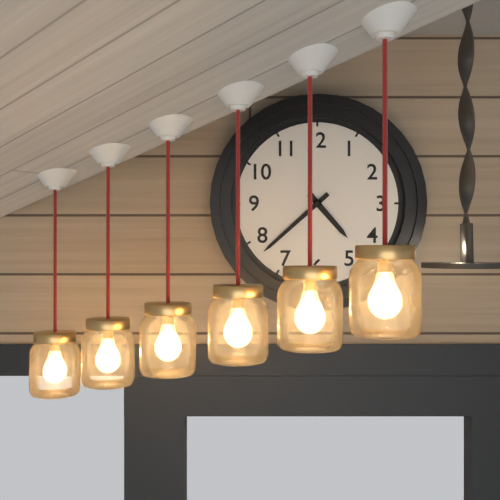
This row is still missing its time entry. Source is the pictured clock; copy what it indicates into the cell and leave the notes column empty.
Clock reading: 4:38
